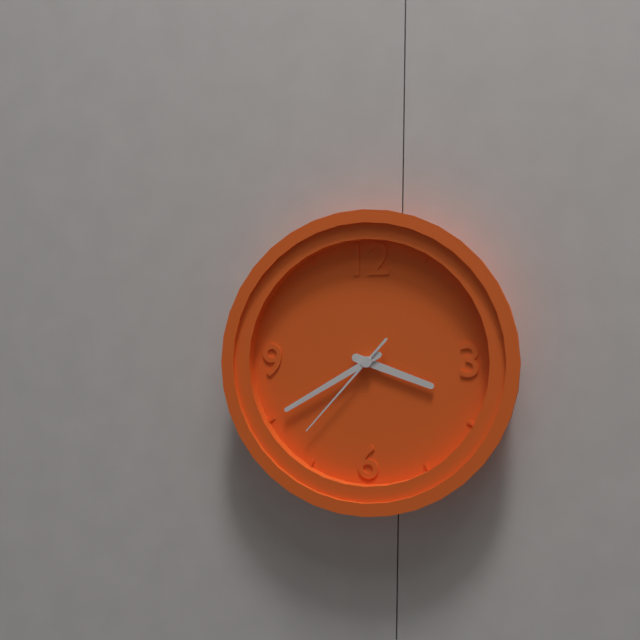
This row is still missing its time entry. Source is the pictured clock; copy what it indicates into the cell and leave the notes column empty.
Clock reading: 3:40:37
